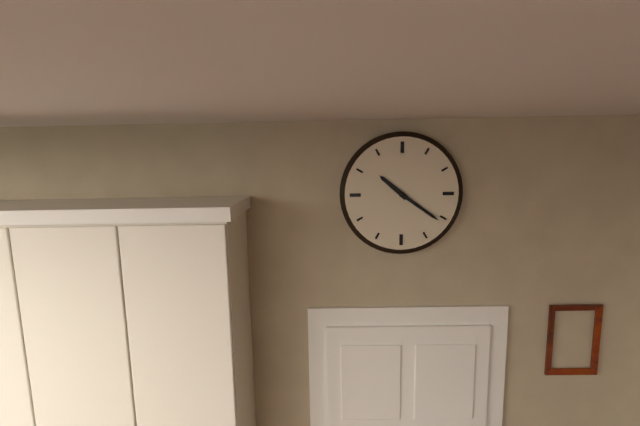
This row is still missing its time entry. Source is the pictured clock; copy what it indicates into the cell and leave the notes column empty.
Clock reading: 10:21
